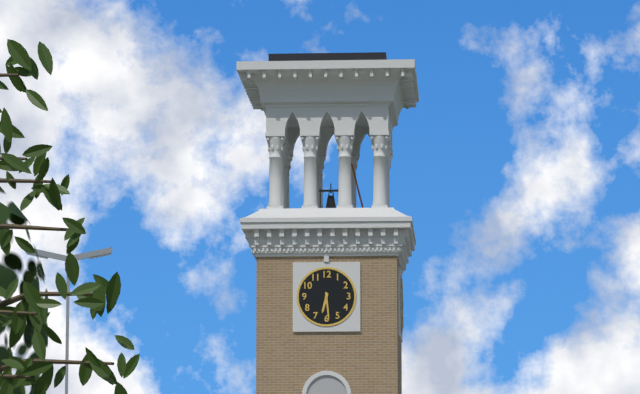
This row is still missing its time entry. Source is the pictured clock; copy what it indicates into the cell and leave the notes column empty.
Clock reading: 6:29
